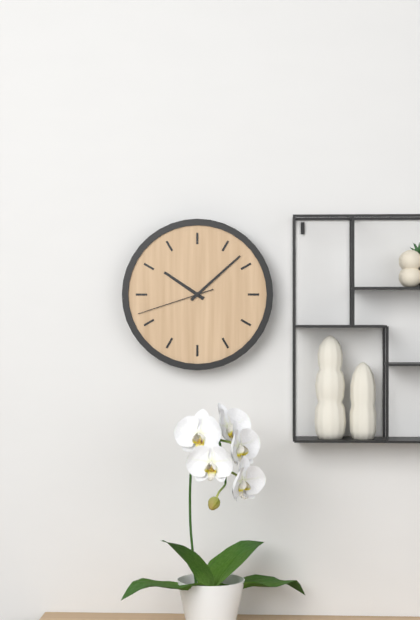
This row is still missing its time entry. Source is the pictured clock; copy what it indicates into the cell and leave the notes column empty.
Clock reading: 10:08:42
